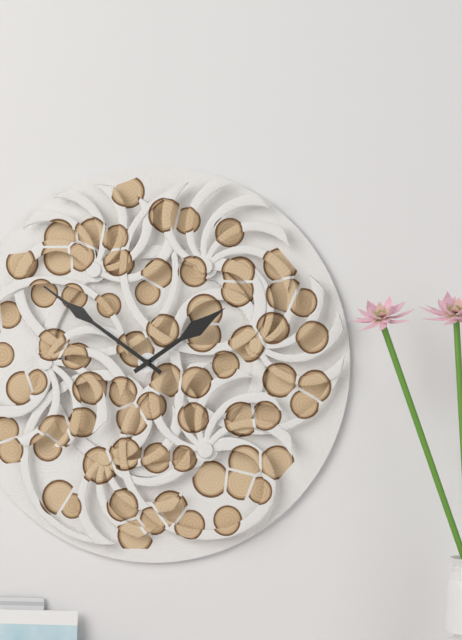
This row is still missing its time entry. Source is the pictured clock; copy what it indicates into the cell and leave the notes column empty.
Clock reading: 1:51
